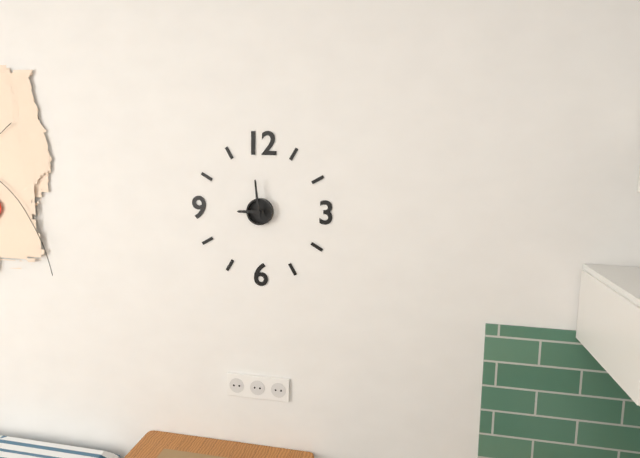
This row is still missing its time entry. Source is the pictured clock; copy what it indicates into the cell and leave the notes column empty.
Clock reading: 8:59
